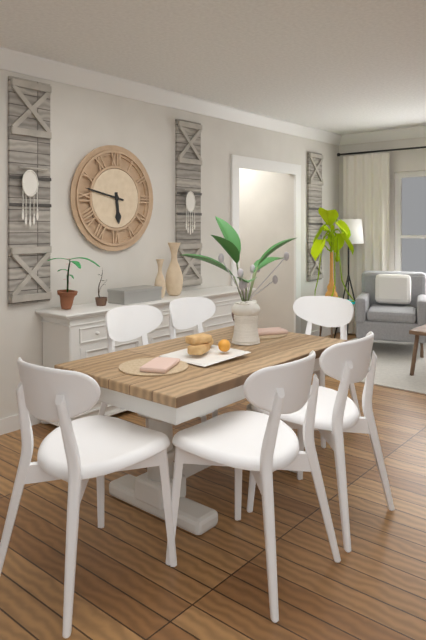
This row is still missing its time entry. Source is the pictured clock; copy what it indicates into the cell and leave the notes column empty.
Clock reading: 5:47
